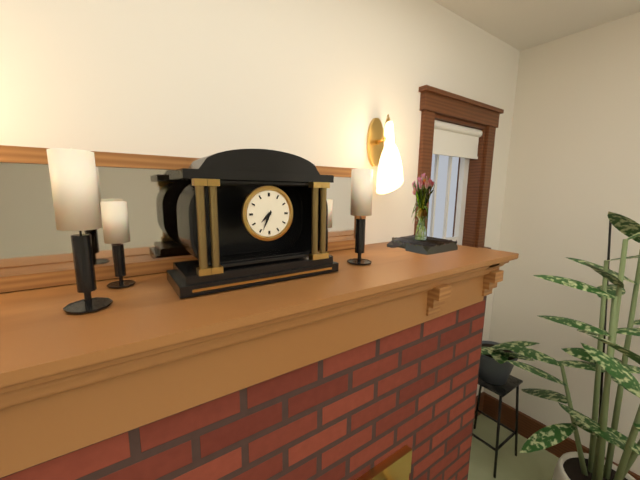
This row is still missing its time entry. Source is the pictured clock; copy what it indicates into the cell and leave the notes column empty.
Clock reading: 7:34
